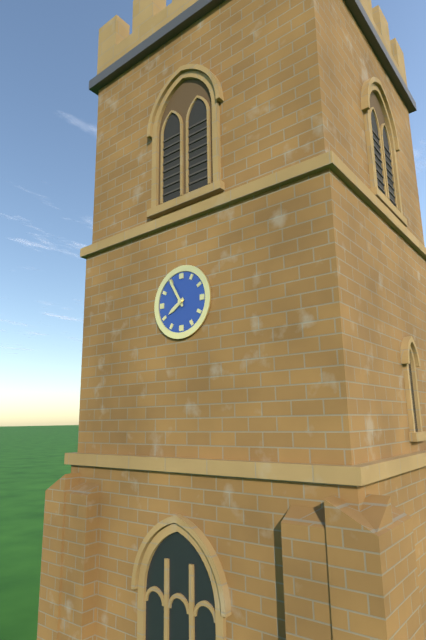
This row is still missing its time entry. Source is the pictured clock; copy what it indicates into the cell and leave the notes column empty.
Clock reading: 7:55
